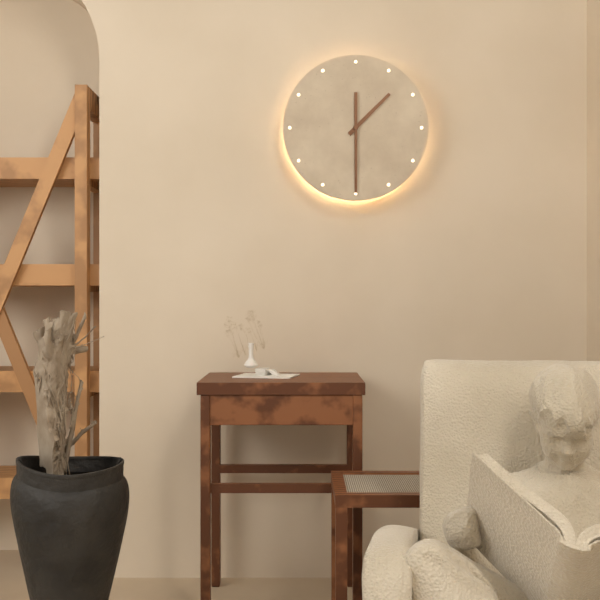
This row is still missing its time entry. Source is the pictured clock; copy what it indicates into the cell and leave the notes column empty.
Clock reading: 1:30
